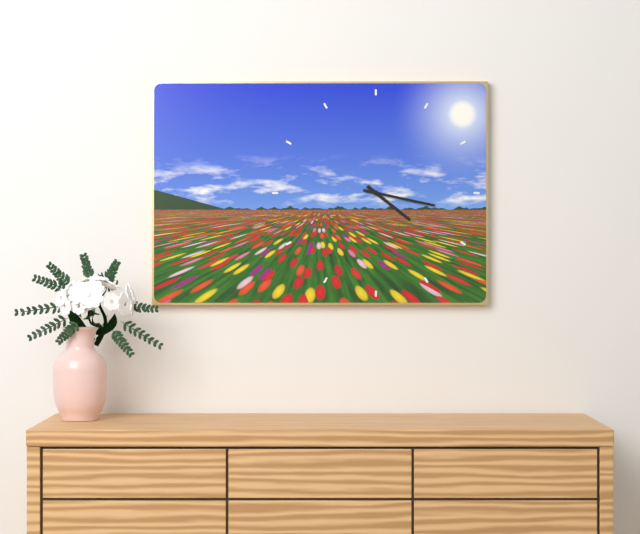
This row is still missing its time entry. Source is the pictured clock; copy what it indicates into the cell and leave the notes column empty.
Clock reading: 4:17
